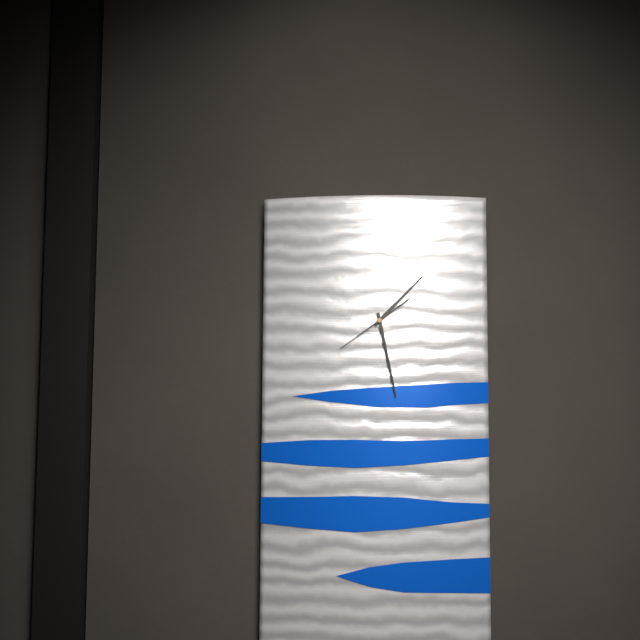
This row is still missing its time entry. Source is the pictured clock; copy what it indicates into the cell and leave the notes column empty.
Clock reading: 1:28:39
